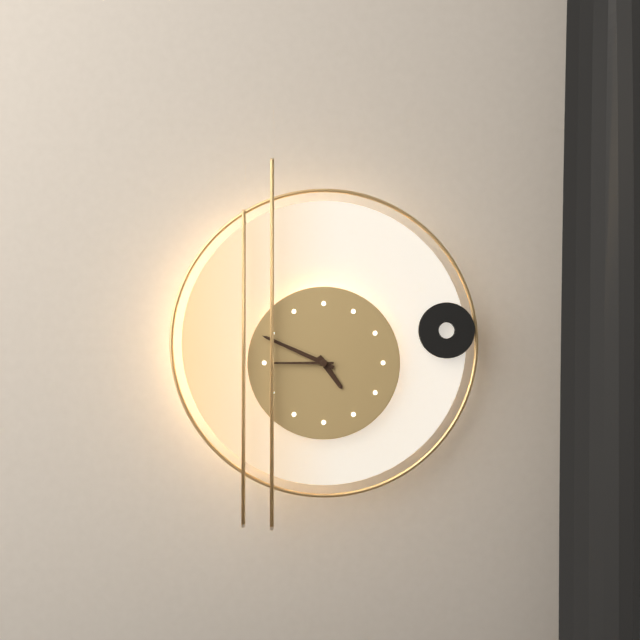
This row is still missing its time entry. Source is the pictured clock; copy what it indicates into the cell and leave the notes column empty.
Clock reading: 4:49:45
